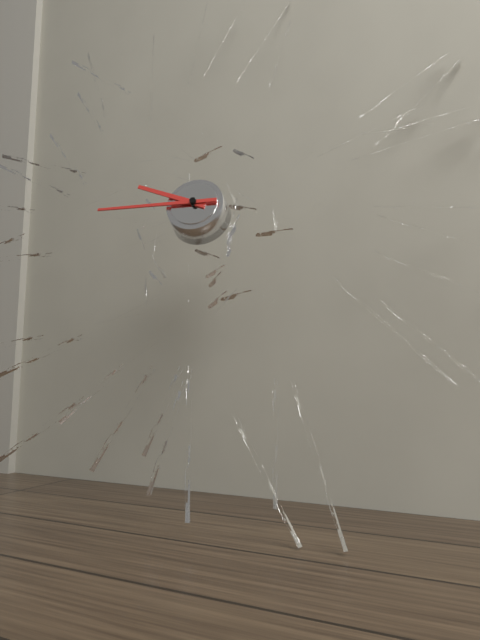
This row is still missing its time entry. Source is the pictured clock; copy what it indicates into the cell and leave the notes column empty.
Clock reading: 9:45
